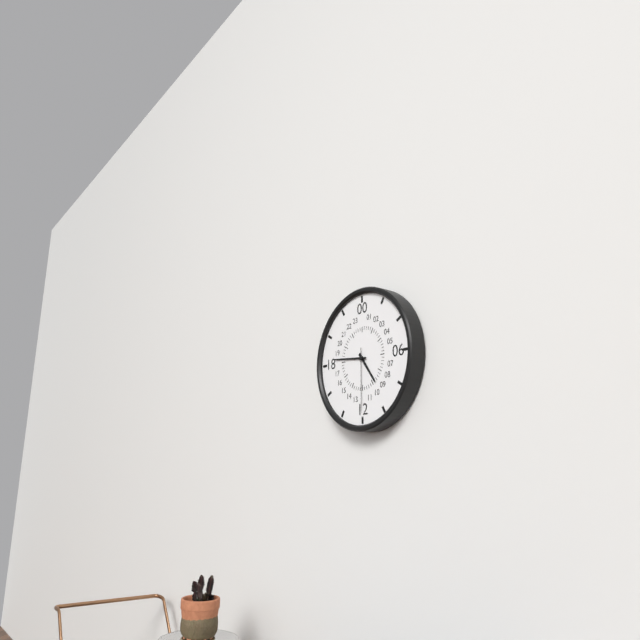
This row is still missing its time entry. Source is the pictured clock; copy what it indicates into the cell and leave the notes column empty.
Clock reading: 4:46:30
